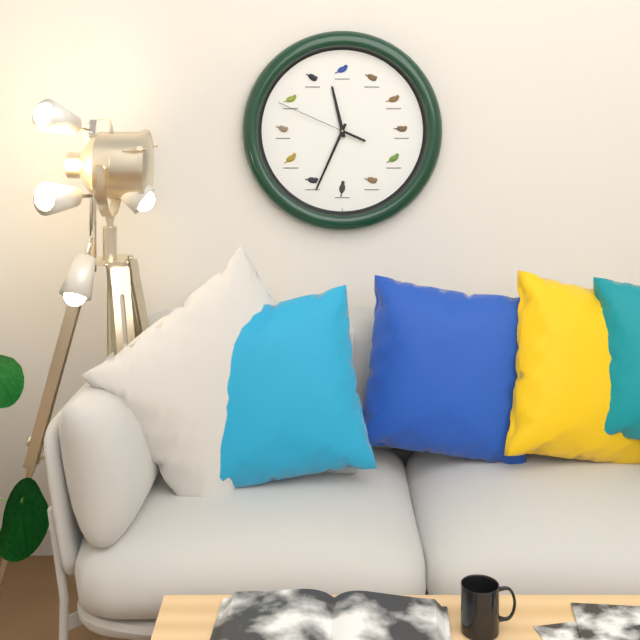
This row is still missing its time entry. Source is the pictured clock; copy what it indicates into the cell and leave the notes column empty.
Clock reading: 11:34:49
